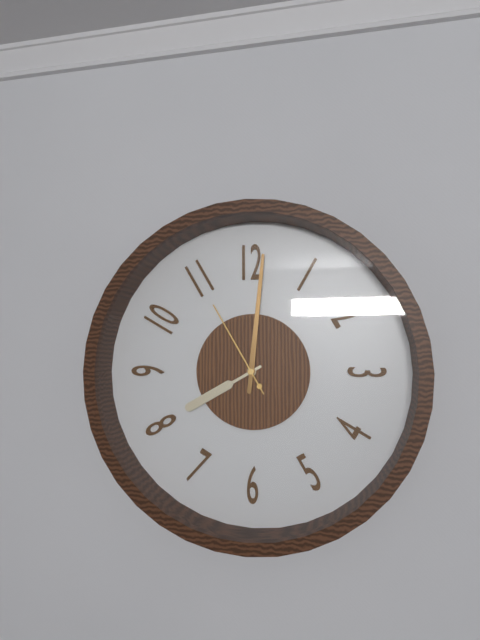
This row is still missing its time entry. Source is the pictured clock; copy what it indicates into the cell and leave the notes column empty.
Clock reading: 8:01:55
